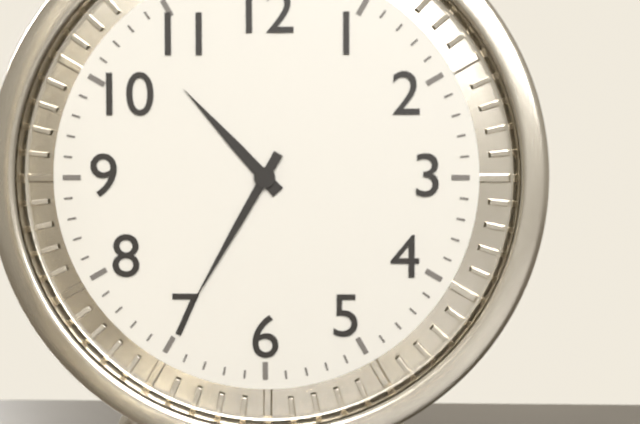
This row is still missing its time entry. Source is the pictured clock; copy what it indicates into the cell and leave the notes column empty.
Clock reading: 10:35
